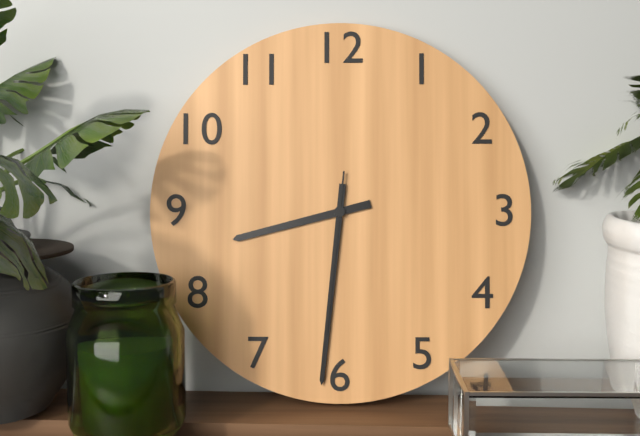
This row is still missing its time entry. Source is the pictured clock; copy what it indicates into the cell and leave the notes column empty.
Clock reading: 8:31:31
